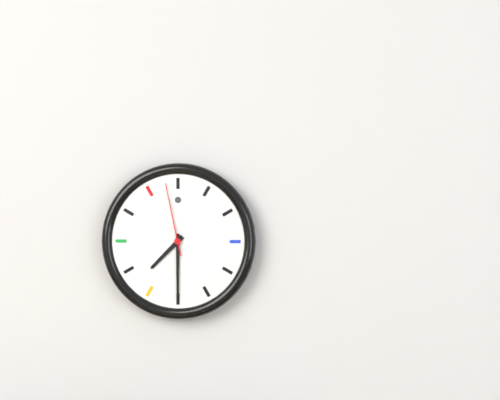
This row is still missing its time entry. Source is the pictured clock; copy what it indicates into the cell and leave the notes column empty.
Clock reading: 7:30:58
